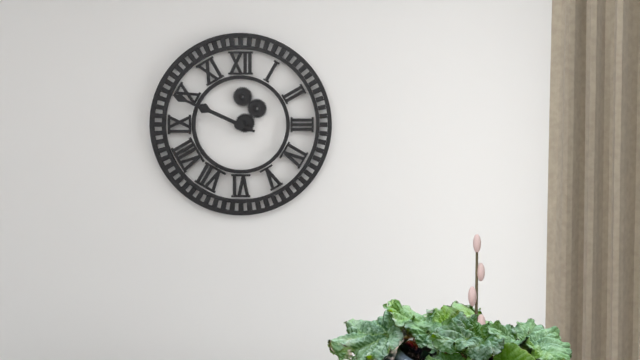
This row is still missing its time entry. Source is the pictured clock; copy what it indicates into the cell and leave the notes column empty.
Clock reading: 9:49
